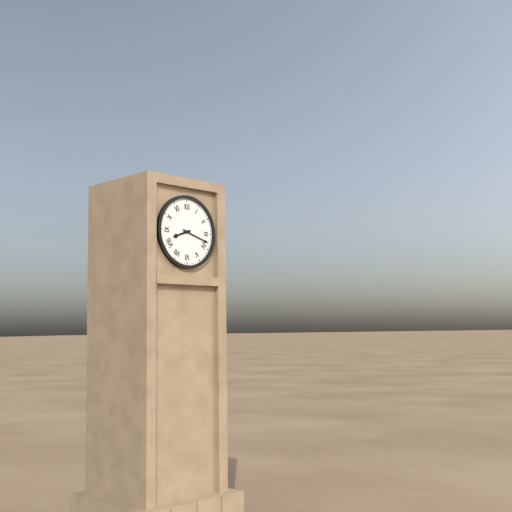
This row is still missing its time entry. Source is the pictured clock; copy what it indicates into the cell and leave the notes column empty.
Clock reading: 8:18
